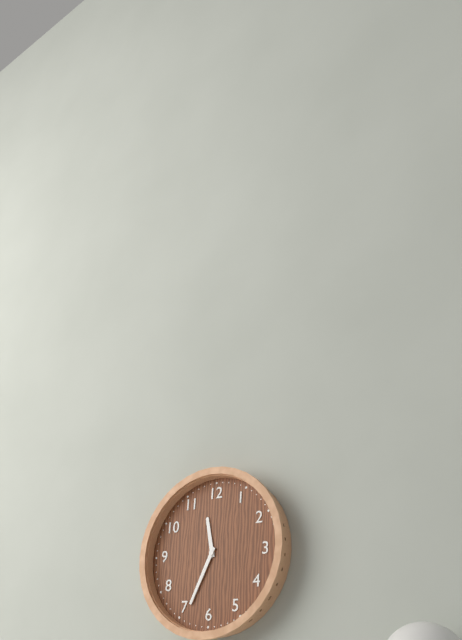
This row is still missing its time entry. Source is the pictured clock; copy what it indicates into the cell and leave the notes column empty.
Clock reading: 11:34
